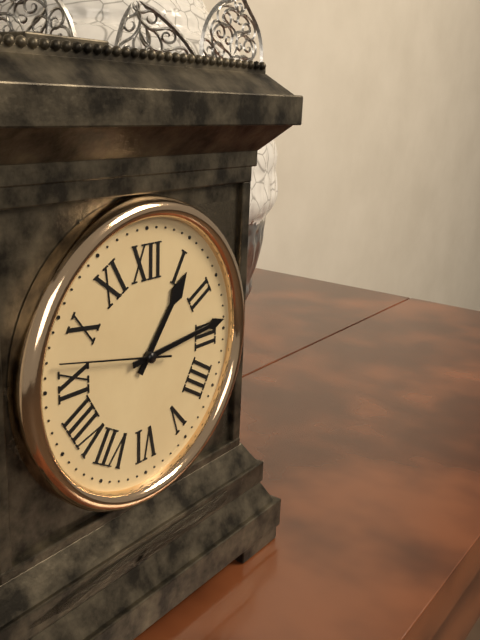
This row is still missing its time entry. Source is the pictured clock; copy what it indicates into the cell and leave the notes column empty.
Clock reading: 1:14:47
